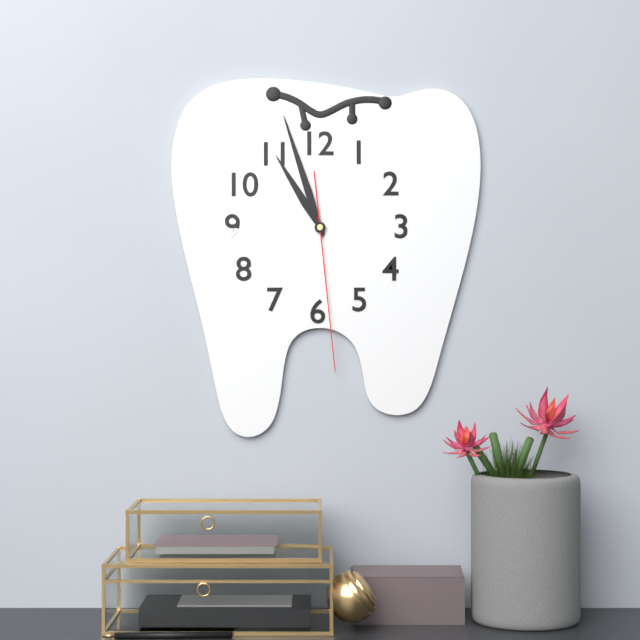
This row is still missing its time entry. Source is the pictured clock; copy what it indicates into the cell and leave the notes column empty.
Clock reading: 10:57:29
